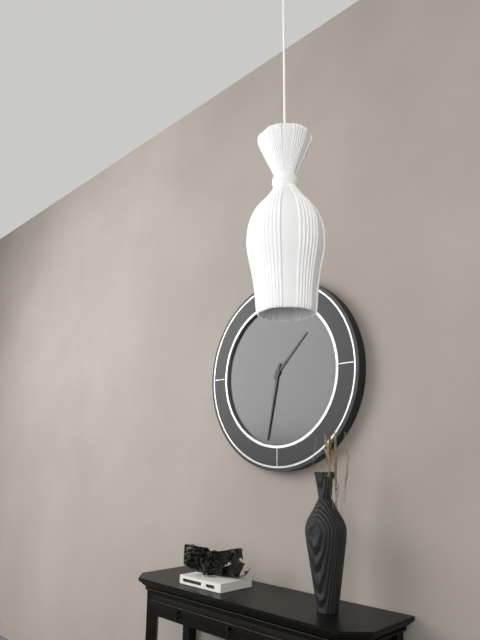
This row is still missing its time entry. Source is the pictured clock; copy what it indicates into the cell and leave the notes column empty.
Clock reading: 1:32
